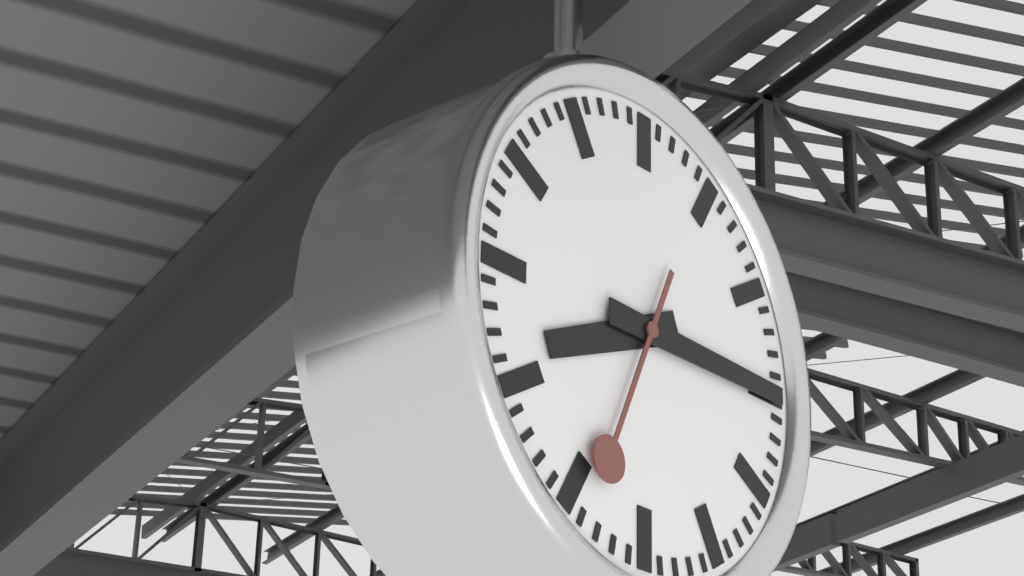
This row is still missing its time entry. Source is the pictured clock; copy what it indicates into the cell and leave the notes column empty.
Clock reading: 8:15:34
